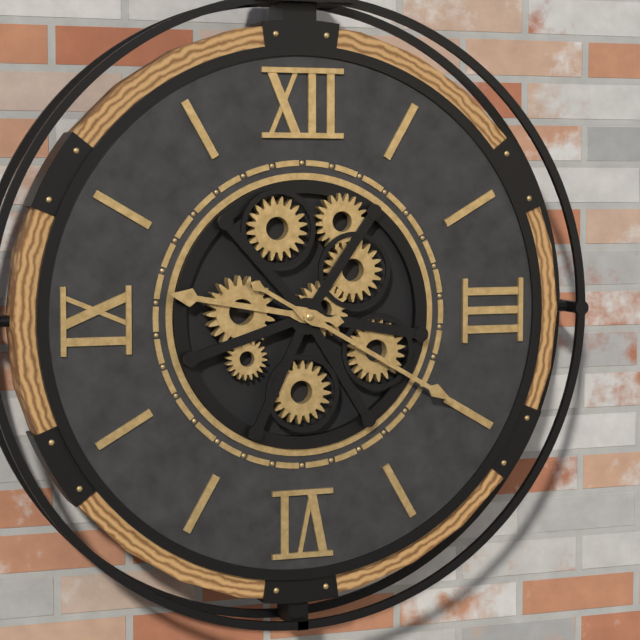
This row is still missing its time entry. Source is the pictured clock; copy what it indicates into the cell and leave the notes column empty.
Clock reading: 9:20
